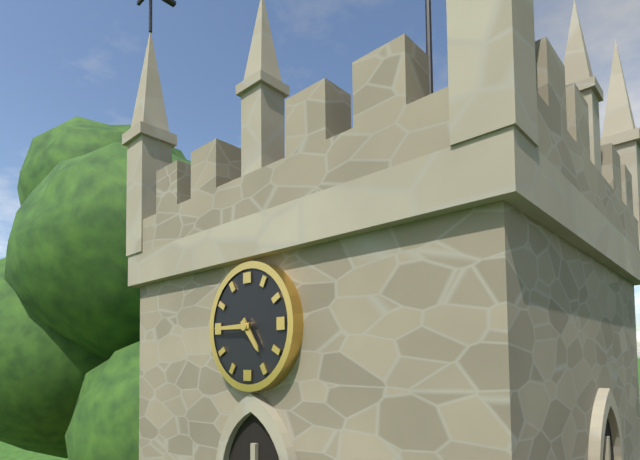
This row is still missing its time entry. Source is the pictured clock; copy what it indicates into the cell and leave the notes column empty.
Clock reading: 4:45
